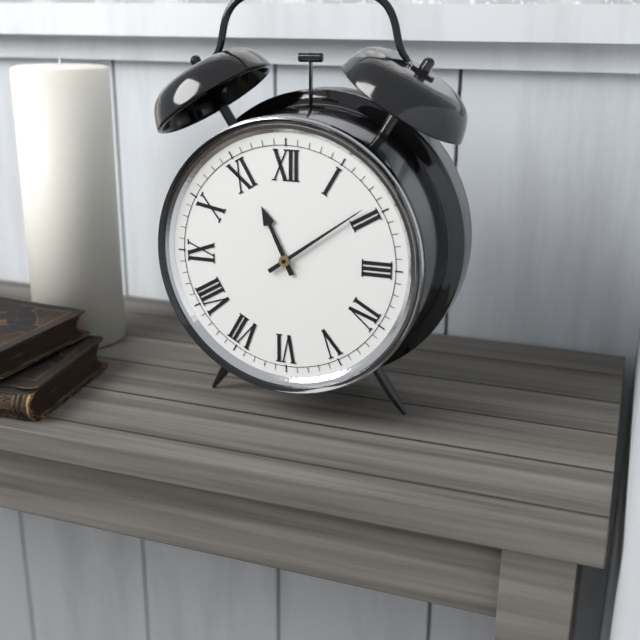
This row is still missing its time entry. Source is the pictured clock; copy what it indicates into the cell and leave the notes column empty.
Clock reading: 11:09
